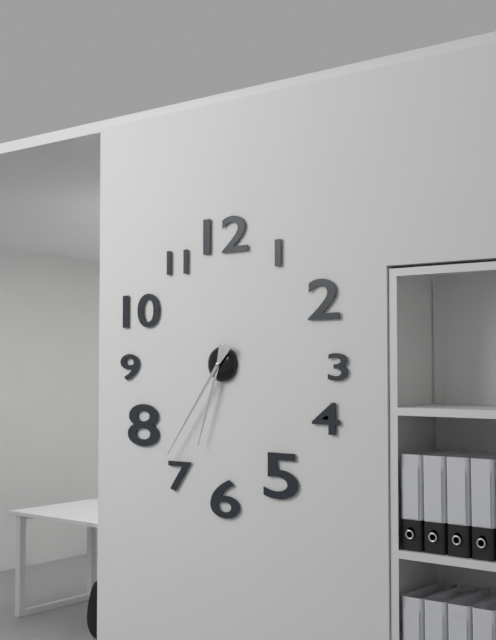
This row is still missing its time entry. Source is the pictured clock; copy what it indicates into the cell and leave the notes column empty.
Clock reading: 6:36
